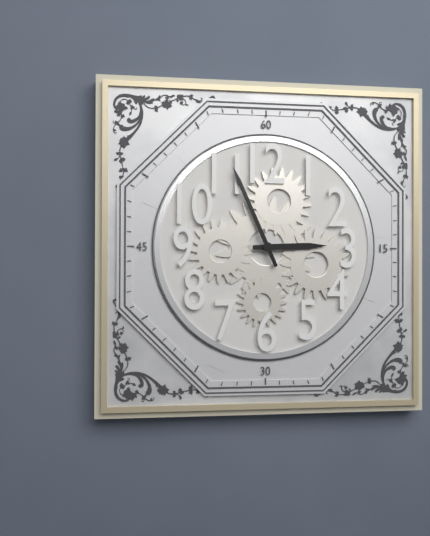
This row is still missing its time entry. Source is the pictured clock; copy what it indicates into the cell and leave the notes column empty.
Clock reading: 2:56
